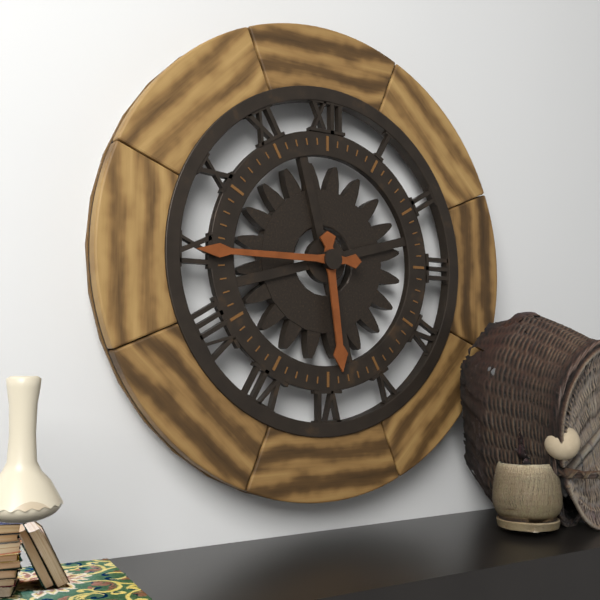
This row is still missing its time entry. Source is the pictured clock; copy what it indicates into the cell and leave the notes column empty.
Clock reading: 5:45
